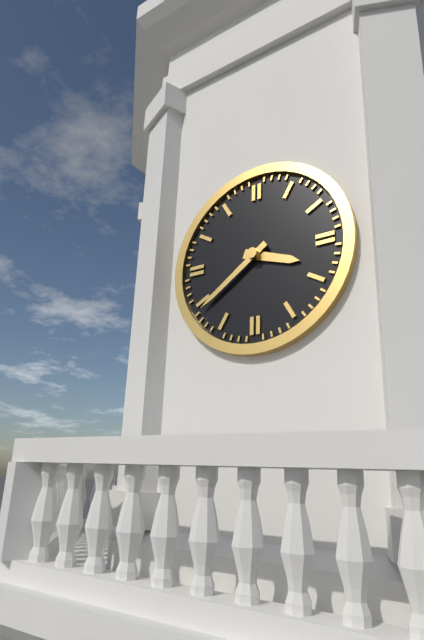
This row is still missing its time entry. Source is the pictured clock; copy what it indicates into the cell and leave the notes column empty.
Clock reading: 3:39
